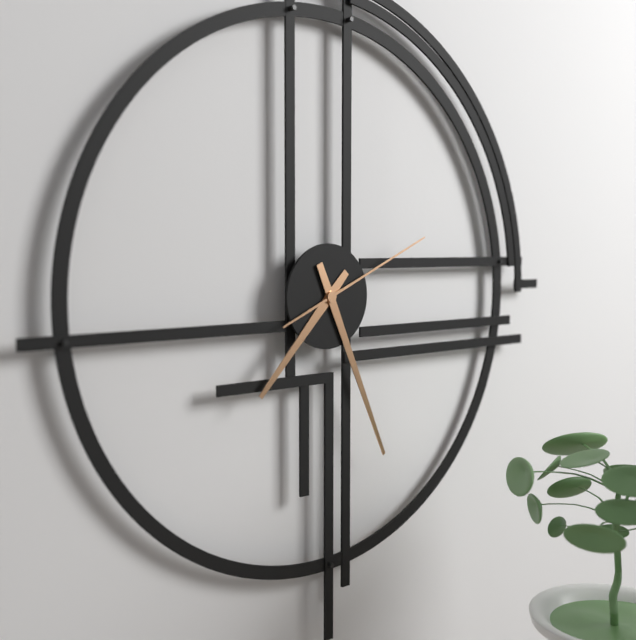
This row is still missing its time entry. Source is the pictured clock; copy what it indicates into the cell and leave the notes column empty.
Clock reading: 7:26:11
